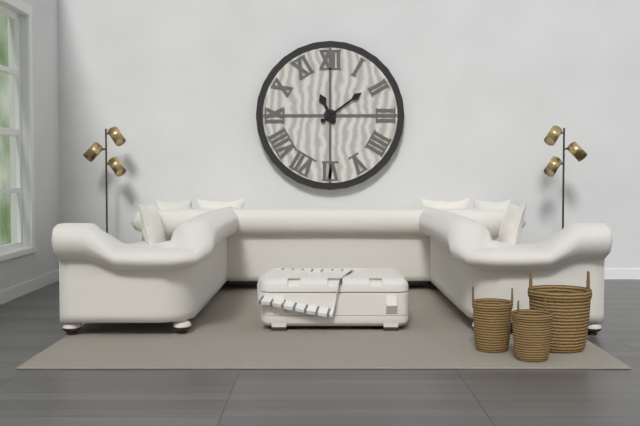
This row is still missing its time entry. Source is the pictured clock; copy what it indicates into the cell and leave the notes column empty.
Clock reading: 11:09
